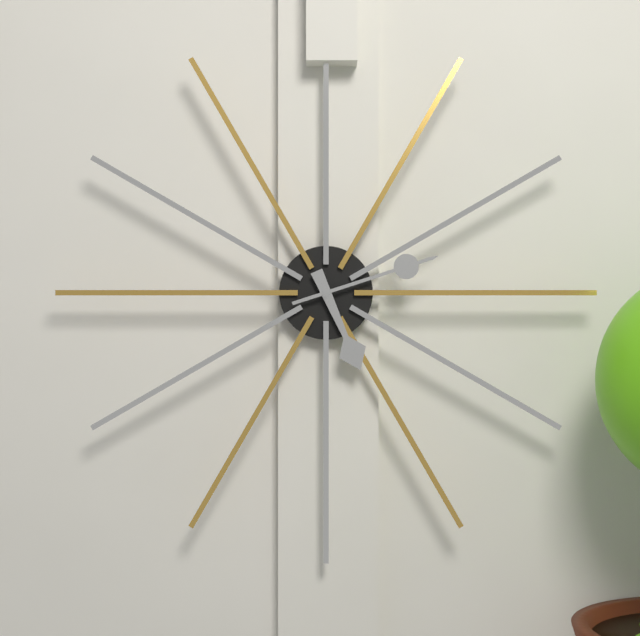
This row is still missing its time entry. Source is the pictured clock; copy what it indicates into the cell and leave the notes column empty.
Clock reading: 5:12
